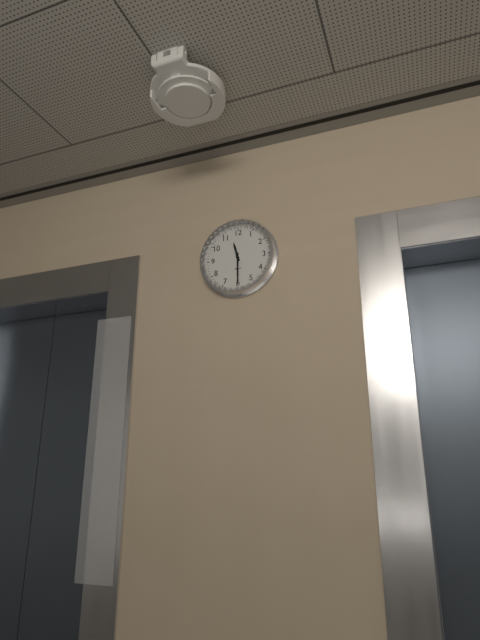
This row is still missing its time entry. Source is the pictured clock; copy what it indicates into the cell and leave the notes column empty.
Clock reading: 11:30
